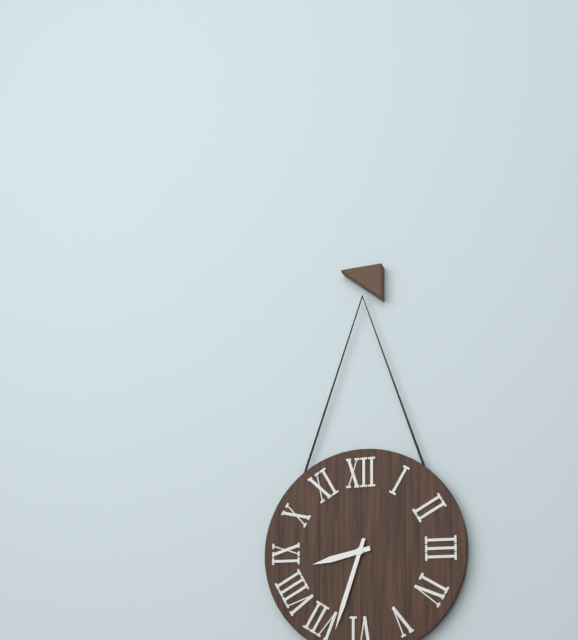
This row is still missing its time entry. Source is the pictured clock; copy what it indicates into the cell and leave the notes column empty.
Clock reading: 8:33
